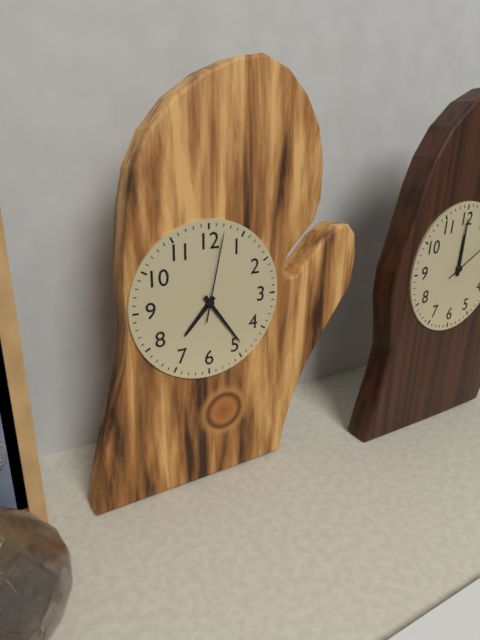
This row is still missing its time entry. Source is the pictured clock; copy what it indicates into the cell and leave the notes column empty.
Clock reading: 7:24:02
